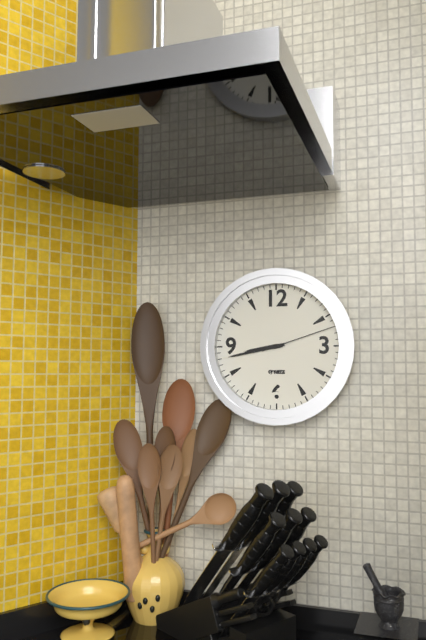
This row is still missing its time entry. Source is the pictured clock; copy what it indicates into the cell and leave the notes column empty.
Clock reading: 8:43:12
